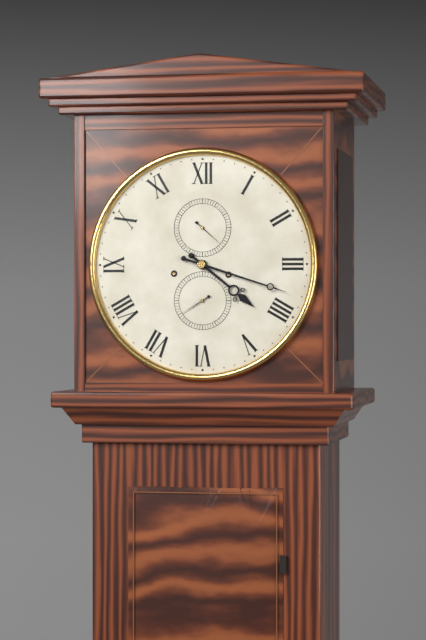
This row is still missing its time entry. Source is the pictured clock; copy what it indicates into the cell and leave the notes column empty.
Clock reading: 4:18
